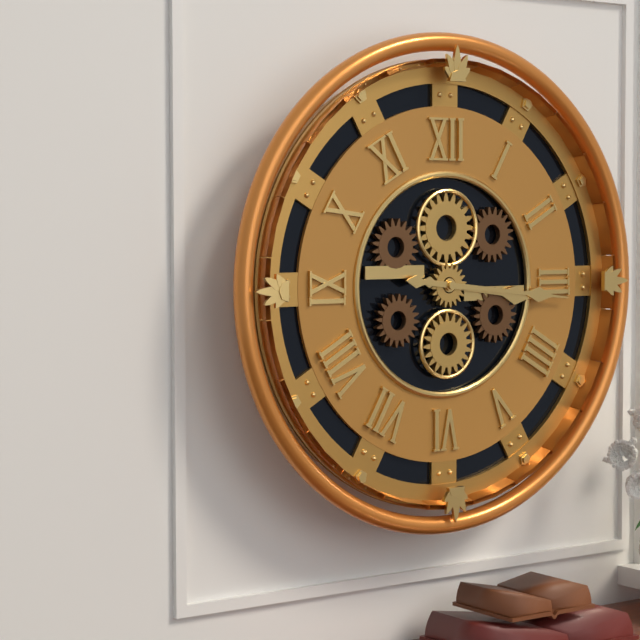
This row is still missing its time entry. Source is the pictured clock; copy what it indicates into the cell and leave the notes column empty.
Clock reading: 3:16
